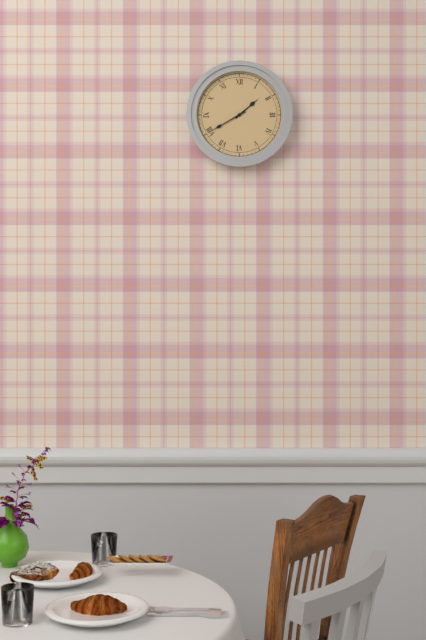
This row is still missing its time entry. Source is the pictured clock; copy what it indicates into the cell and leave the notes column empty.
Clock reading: 1:40
